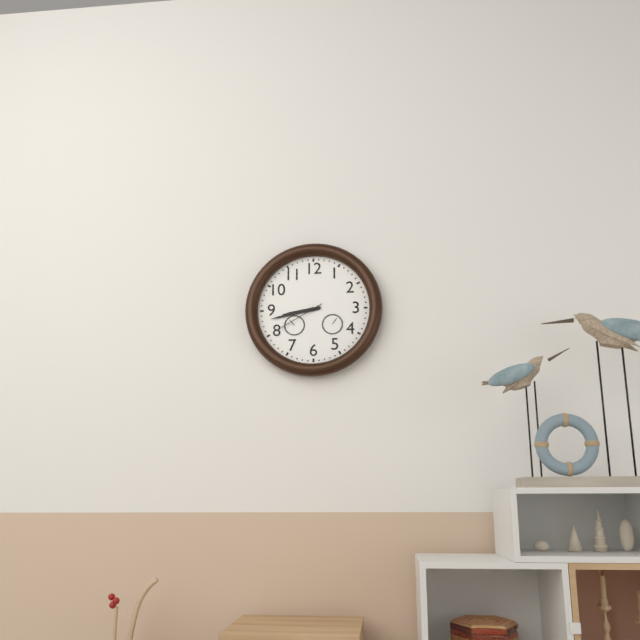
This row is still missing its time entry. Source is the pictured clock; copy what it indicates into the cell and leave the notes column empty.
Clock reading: 8:43:40
